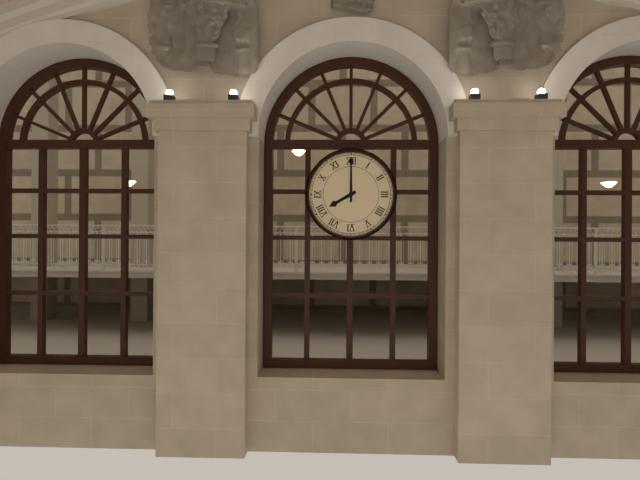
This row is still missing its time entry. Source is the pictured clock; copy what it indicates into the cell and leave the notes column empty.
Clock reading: 8:00
